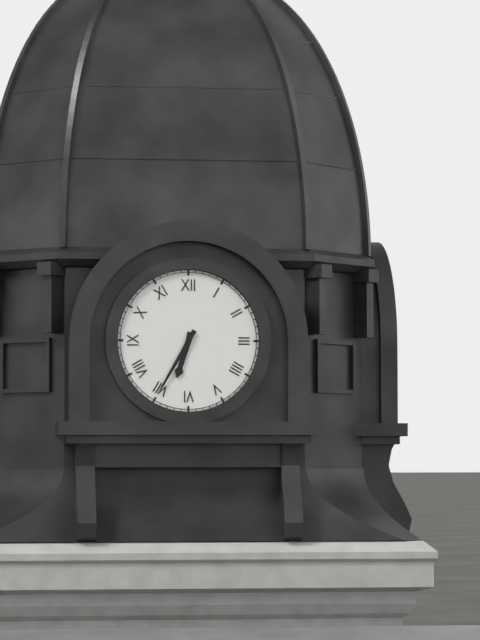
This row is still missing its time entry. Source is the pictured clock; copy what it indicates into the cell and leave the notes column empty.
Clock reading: 6:35
